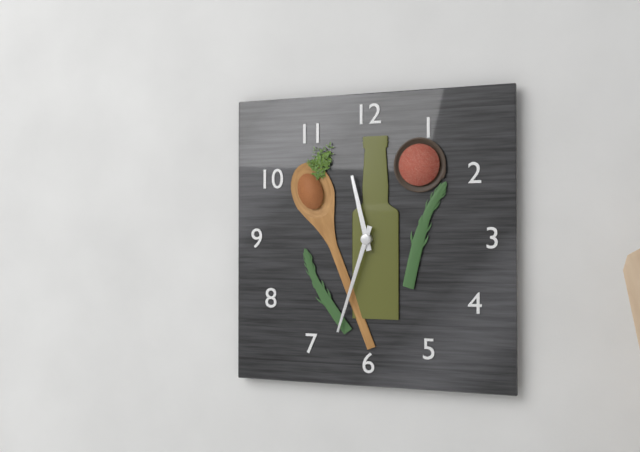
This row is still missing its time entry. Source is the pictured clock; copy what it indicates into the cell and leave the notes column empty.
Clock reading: 11:33
